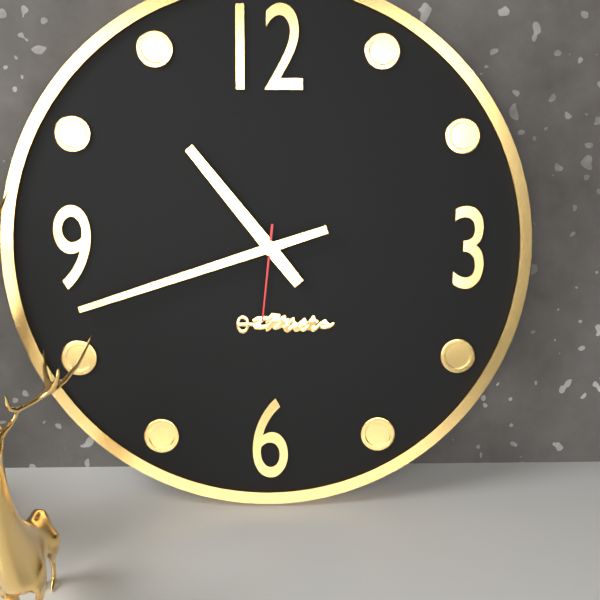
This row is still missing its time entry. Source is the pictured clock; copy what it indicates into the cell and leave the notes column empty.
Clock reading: 10:42:31
